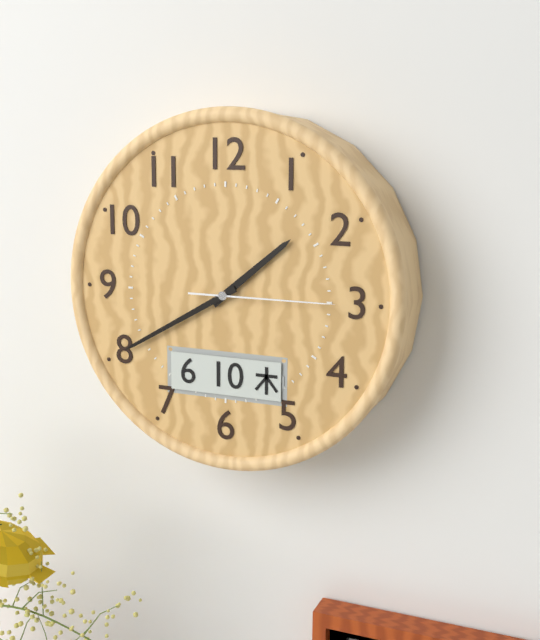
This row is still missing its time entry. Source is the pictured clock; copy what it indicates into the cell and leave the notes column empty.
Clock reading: 1:40:15
